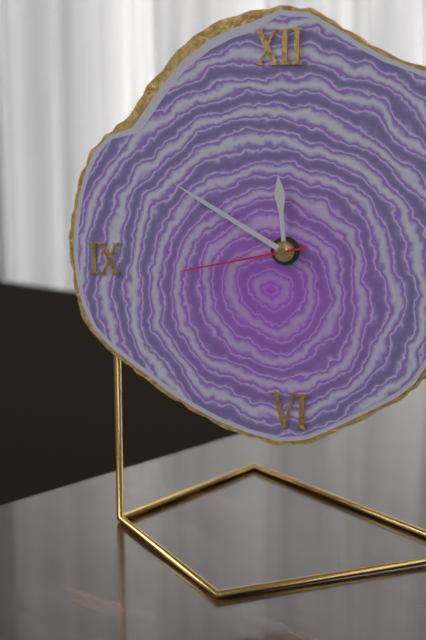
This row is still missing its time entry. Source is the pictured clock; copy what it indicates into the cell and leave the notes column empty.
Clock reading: 11:50:43
